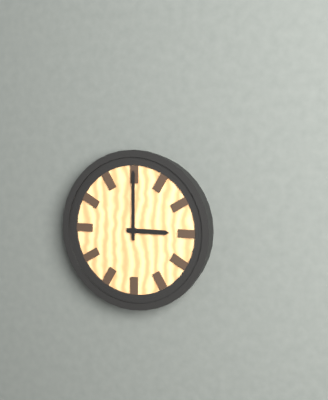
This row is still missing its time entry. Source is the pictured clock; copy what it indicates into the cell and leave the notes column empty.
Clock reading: 3:00
